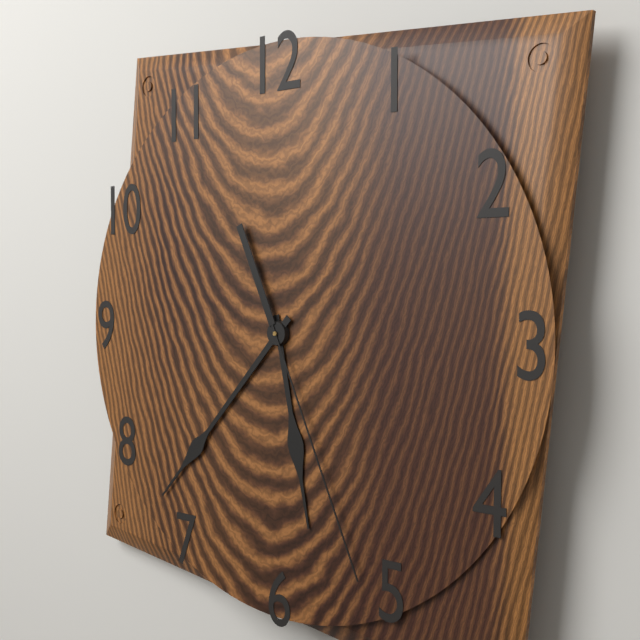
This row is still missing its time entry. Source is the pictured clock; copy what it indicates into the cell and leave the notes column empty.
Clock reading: 5:37:26
